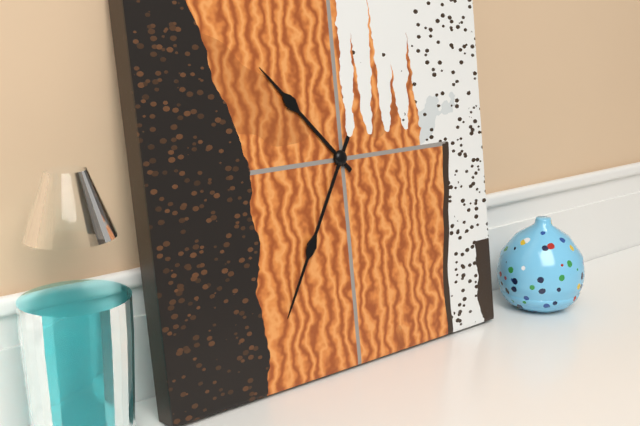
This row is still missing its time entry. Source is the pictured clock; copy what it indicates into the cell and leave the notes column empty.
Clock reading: 10:35
